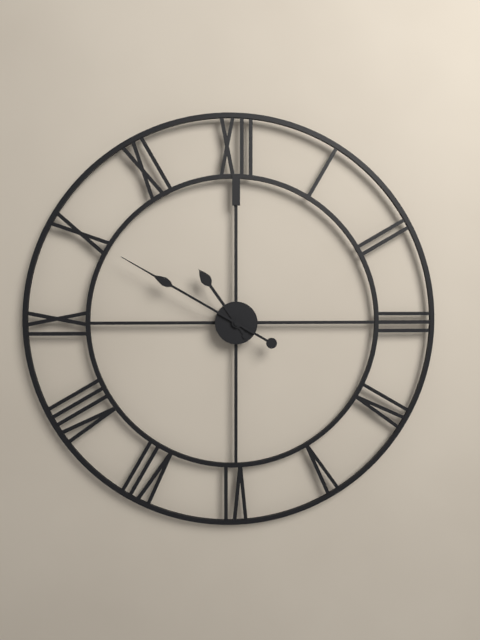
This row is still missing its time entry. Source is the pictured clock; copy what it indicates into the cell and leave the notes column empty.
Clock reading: 10:50
